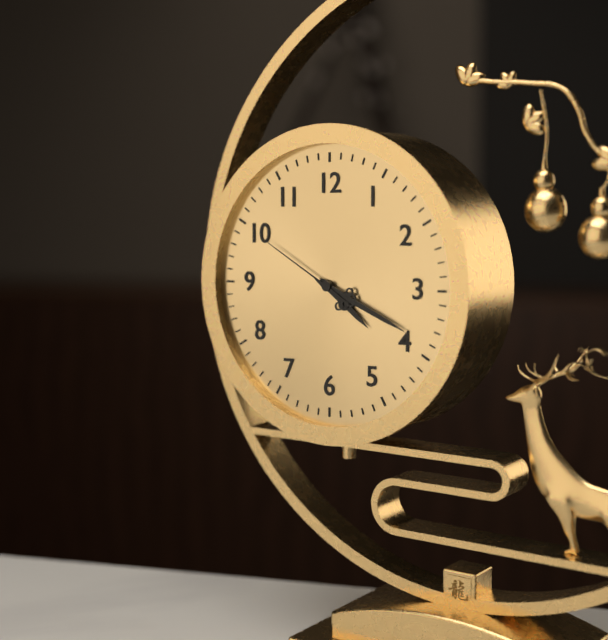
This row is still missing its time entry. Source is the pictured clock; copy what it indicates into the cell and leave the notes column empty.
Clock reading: 4:19:50
